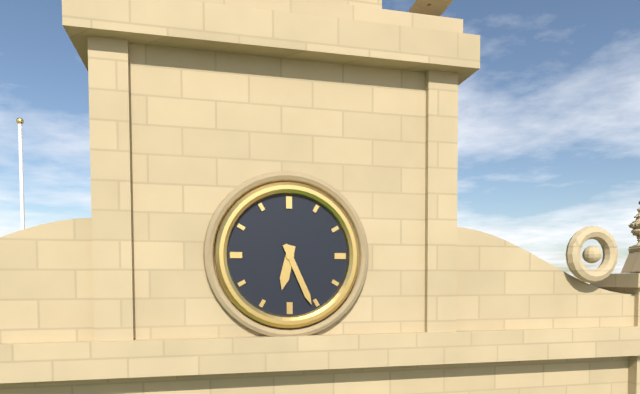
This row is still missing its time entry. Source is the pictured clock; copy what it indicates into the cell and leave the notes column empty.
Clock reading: 6:26
